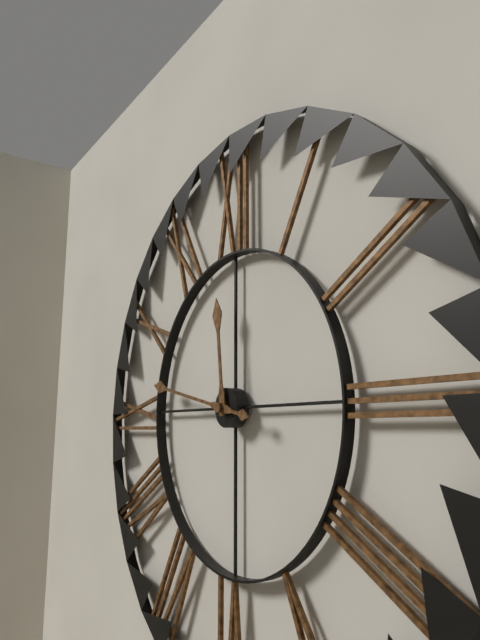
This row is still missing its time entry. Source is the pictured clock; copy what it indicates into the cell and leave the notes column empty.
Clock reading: 11:47
